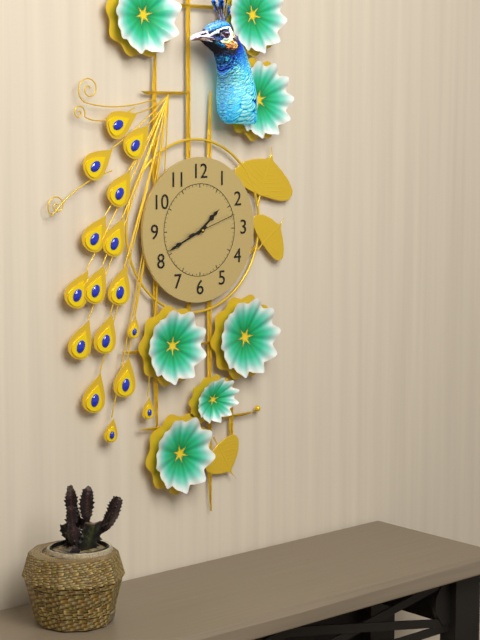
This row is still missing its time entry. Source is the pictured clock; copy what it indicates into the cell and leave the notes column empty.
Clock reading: 1:41
